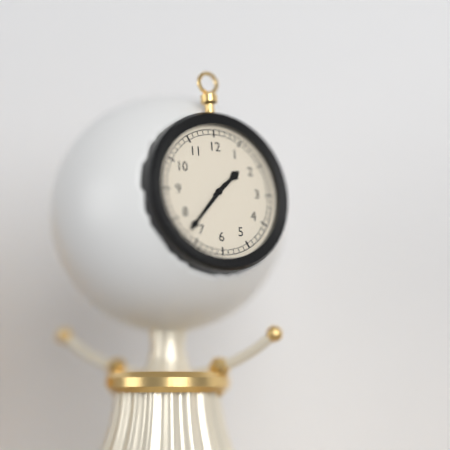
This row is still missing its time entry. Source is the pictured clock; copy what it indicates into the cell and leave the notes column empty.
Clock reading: 1:37
